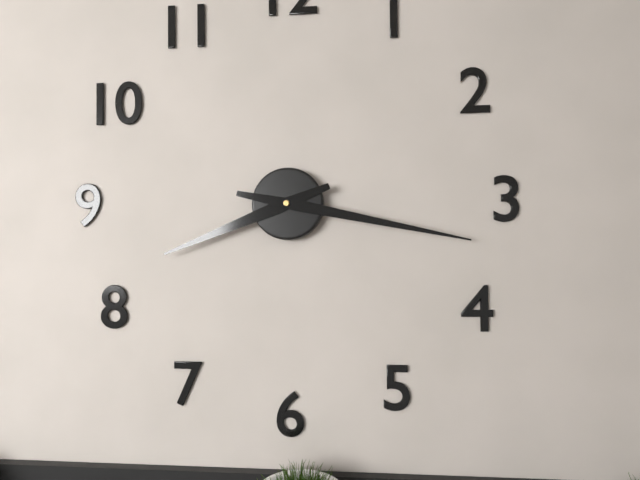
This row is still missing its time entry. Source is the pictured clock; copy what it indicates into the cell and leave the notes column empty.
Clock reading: 8:17
